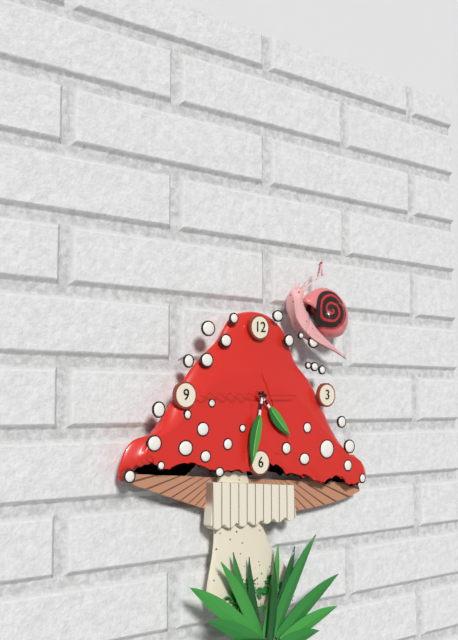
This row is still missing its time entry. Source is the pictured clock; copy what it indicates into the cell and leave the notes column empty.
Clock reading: 4:32:45
